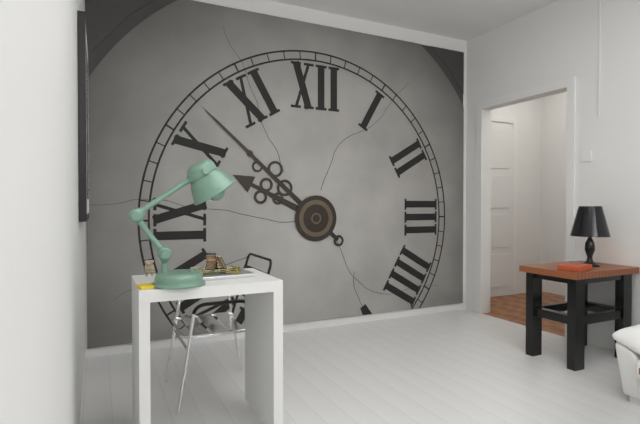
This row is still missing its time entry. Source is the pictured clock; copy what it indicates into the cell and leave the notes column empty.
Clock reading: 9:52
